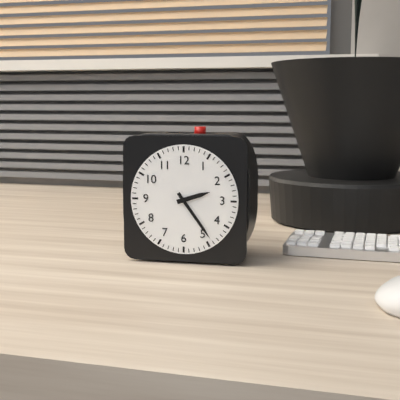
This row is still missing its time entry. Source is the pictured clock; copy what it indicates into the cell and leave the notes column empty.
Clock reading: 2:24
